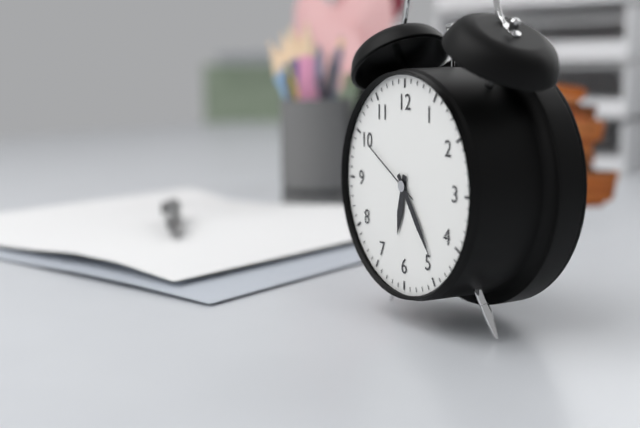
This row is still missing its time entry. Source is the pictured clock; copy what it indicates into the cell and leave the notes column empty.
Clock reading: 6:24:50
